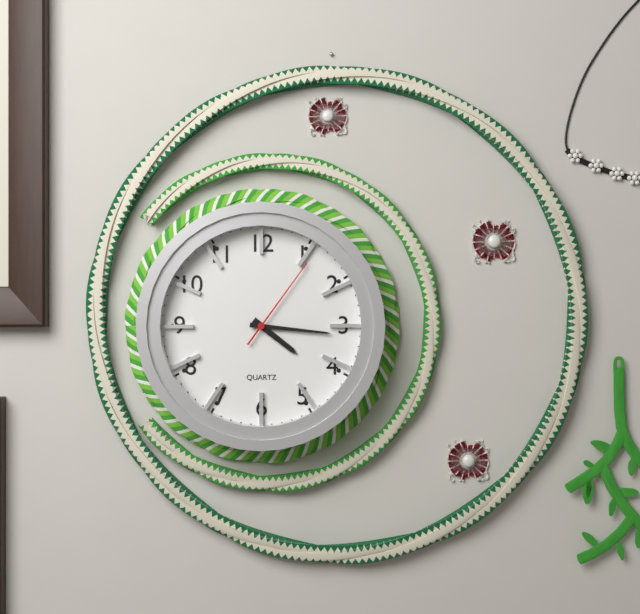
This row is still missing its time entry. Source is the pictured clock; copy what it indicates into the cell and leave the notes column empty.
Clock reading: 4:16:06
